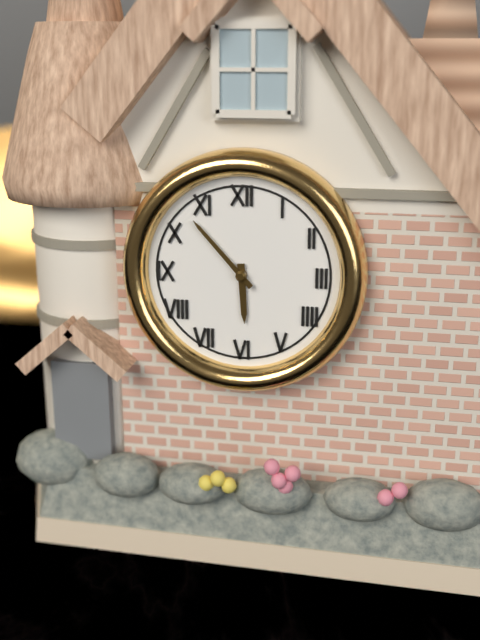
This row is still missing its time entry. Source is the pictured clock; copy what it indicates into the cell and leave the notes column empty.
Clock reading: 5:53
